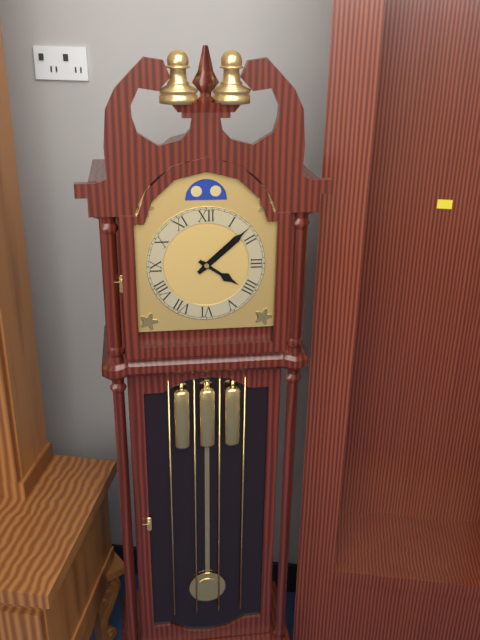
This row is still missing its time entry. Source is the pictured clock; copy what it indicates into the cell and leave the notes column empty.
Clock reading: 4:08
